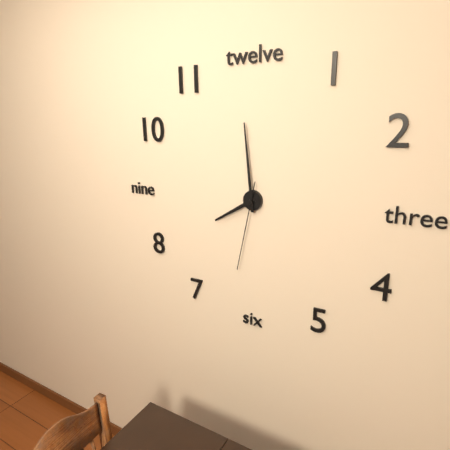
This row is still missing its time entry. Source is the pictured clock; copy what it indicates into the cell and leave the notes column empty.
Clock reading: 7:59:32
